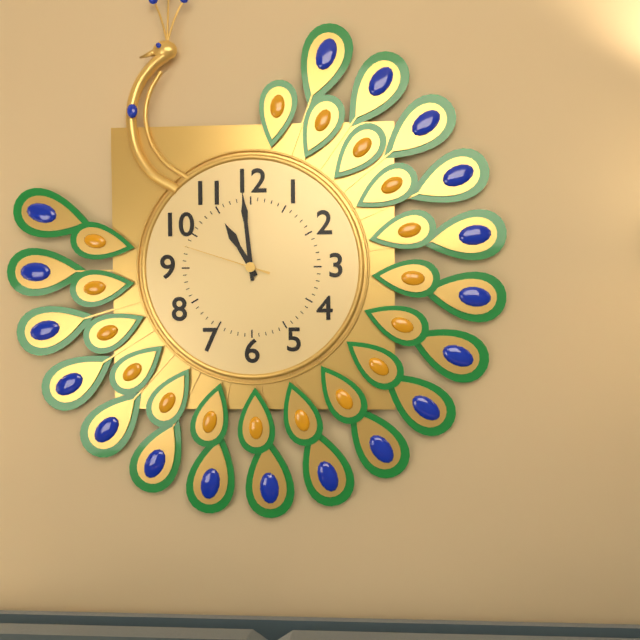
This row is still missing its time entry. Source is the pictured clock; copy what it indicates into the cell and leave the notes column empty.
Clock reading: 10:59:48
